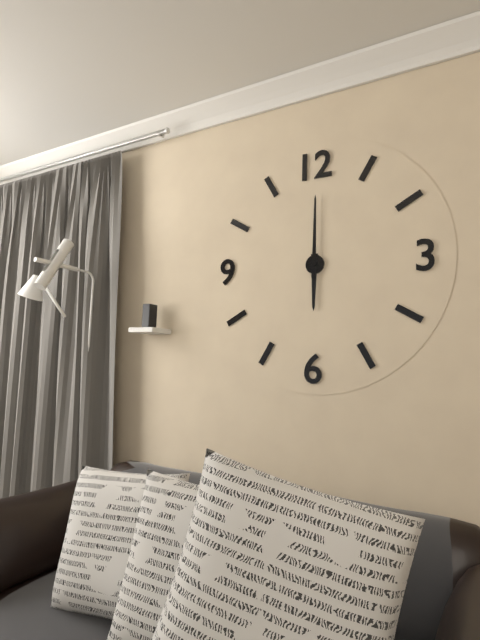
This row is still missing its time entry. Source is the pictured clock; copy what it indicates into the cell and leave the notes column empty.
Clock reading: 6:00
